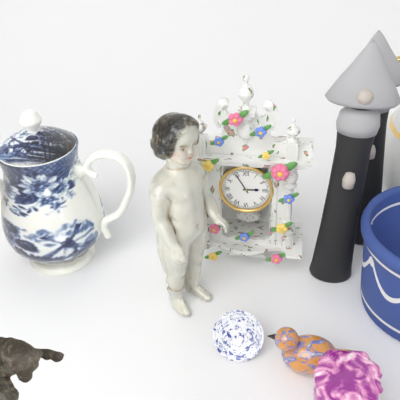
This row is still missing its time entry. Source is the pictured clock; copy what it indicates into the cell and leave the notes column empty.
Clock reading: 2:55
